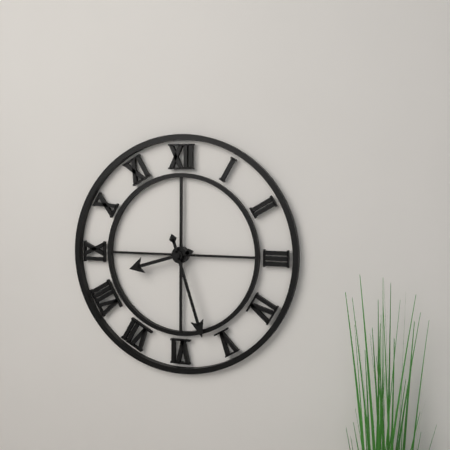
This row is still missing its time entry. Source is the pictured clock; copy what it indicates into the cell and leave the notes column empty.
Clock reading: 8:27
